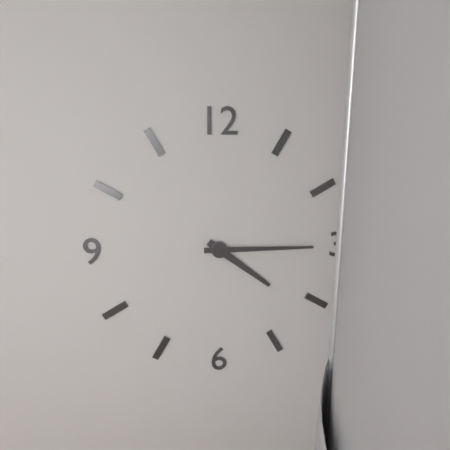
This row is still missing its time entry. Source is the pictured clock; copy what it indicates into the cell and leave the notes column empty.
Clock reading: 4:15
